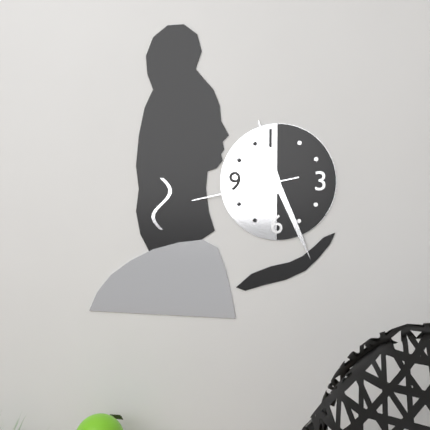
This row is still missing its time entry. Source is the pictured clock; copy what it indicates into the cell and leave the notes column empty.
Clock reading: 11:26:43
